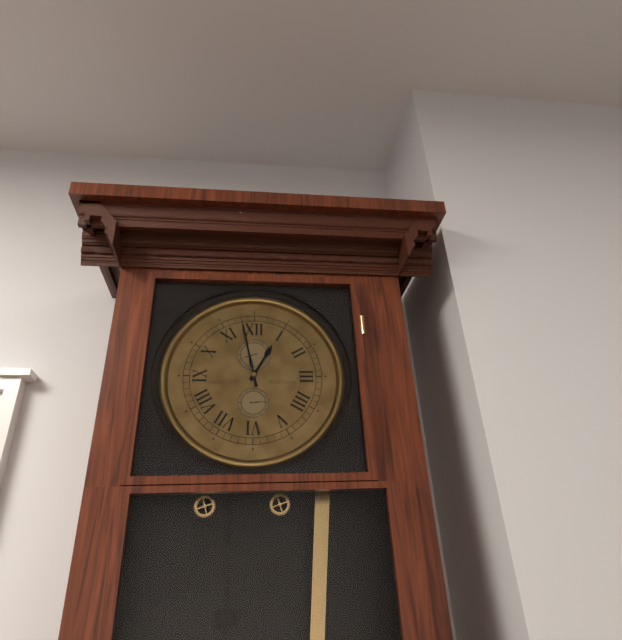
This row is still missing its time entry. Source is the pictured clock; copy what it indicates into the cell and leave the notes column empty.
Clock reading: 12:58
